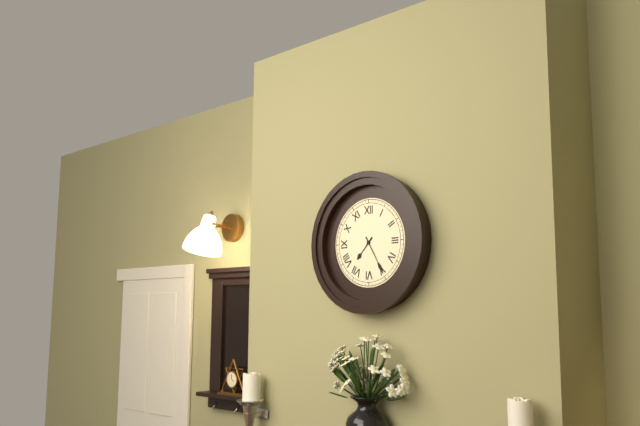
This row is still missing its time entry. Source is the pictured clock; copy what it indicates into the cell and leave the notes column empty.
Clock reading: 7:25
